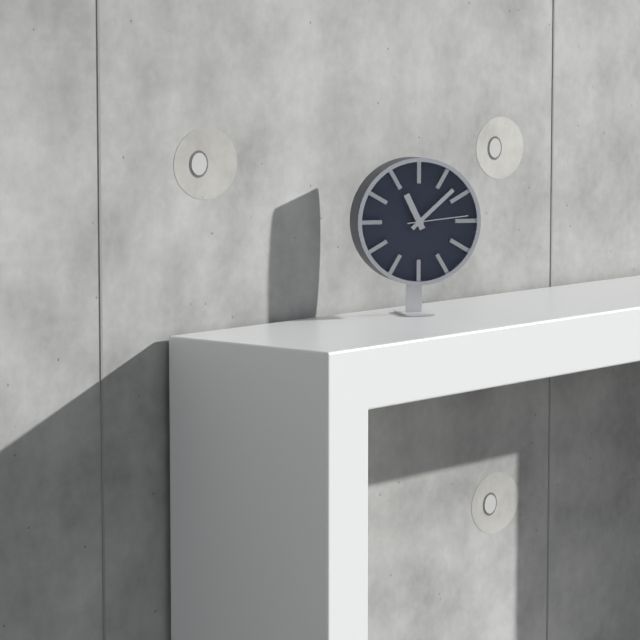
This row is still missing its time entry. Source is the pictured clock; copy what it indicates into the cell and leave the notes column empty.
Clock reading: 11:08:14
